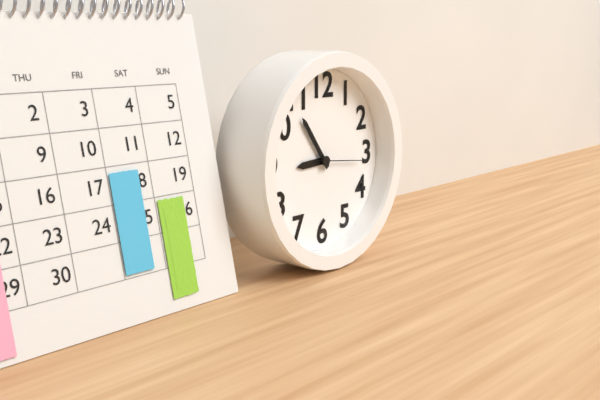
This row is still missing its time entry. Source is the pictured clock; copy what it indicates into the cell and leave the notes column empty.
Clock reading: 8:54
